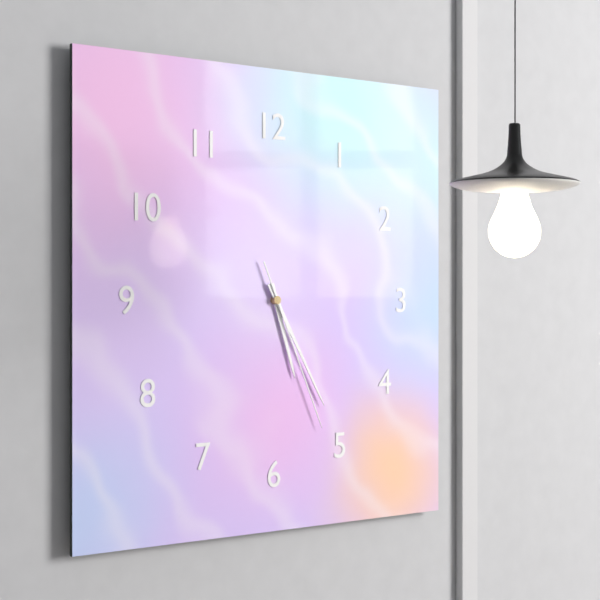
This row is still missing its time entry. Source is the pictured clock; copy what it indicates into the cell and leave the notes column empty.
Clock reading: 5:25:26
